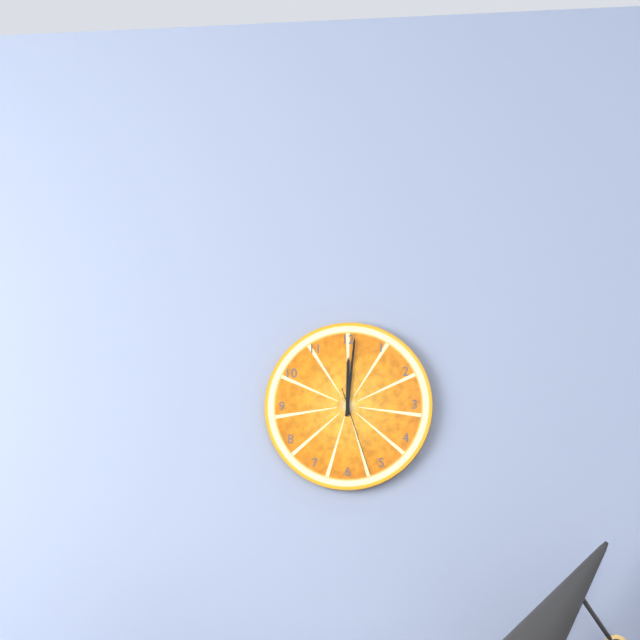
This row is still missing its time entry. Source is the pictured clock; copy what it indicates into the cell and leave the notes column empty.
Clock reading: 12:01:27
